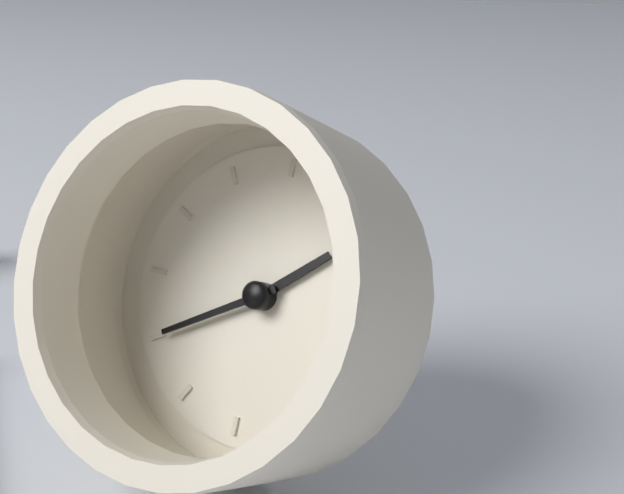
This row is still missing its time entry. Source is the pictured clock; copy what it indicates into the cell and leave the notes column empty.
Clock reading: 1:40
